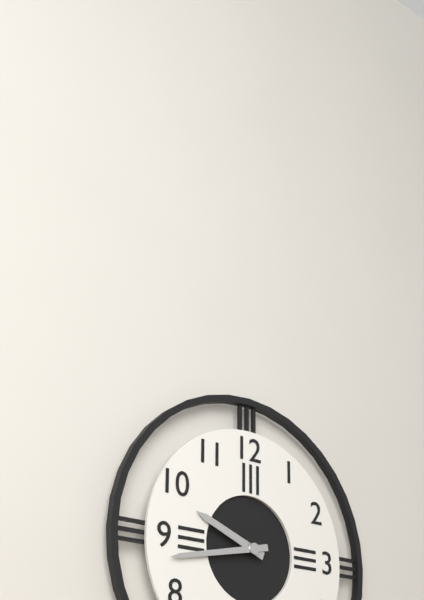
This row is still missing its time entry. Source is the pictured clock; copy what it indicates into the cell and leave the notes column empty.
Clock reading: 9:43
